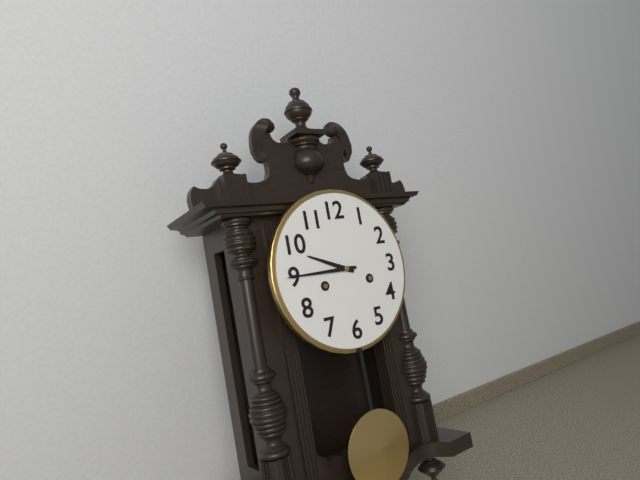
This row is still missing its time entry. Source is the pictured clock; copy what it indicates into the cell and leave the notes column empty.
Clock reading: 9:45
